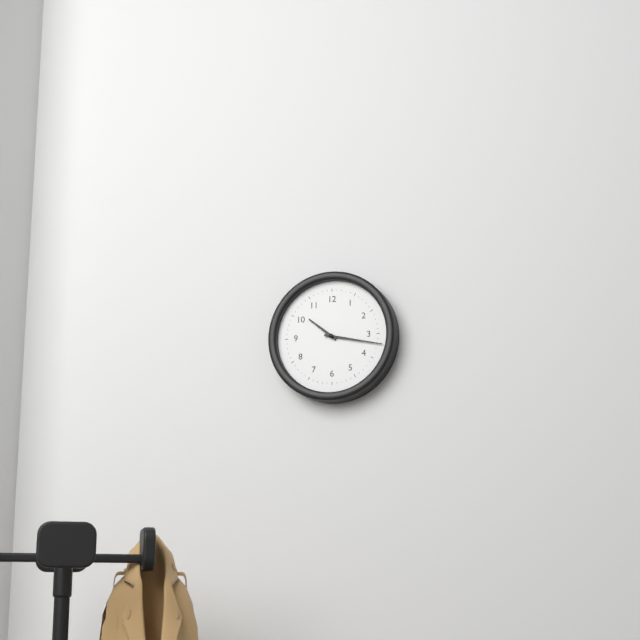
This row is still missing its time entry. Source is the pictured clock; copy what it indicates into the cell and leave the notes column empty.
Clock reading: 10:17
